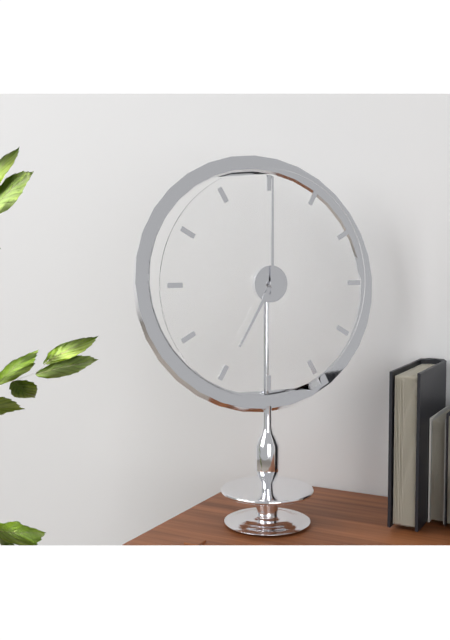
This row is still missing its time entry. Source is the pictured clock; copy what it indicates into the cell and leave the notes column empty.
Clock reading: 7:00
